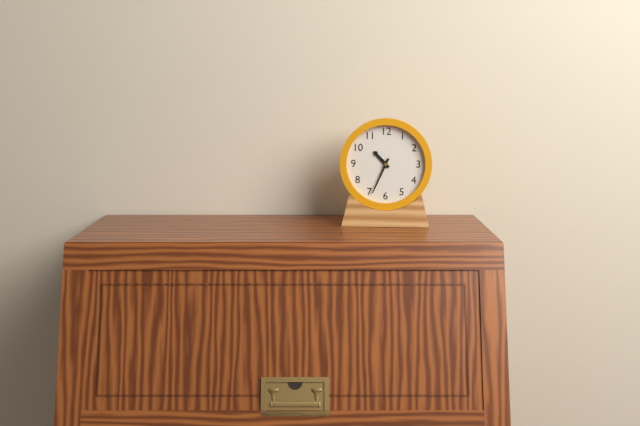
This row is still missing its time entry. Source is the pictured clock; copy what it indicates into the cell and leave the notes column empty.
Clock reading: 10:34
